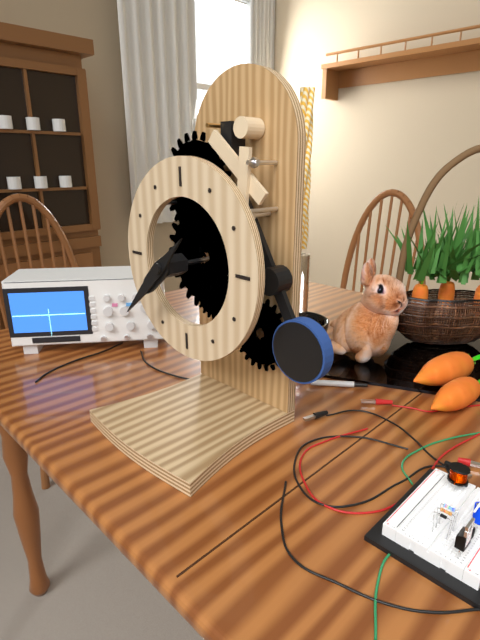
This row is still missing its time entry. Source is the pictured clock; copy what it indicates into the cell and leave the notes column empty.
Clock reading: 7:38
